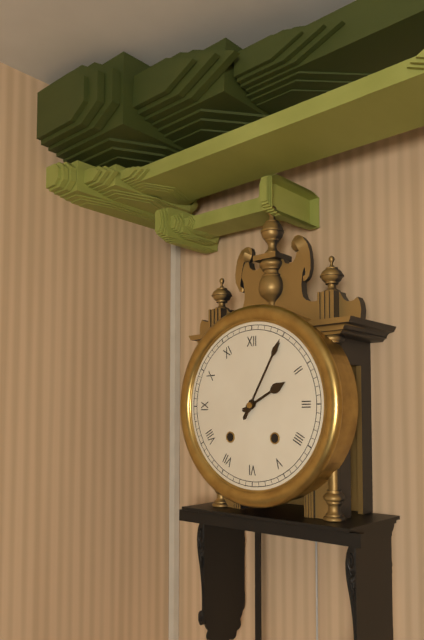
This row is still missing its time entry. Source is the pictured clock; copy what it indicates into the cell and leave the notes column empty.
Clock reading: 2:05
